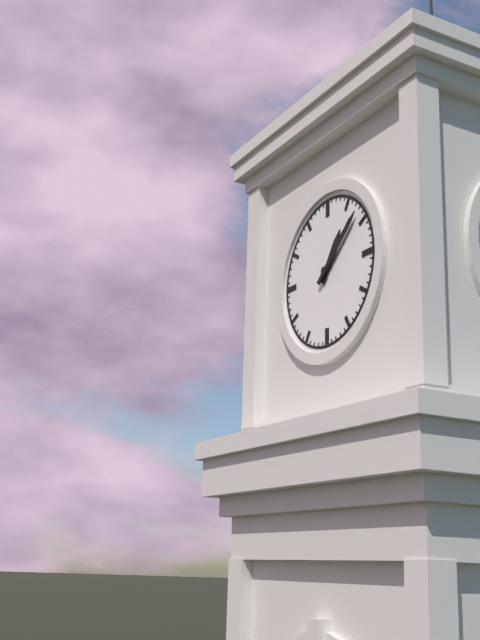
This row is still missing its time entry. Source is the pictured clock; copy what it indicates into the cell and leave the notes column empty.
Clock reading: 1:08
